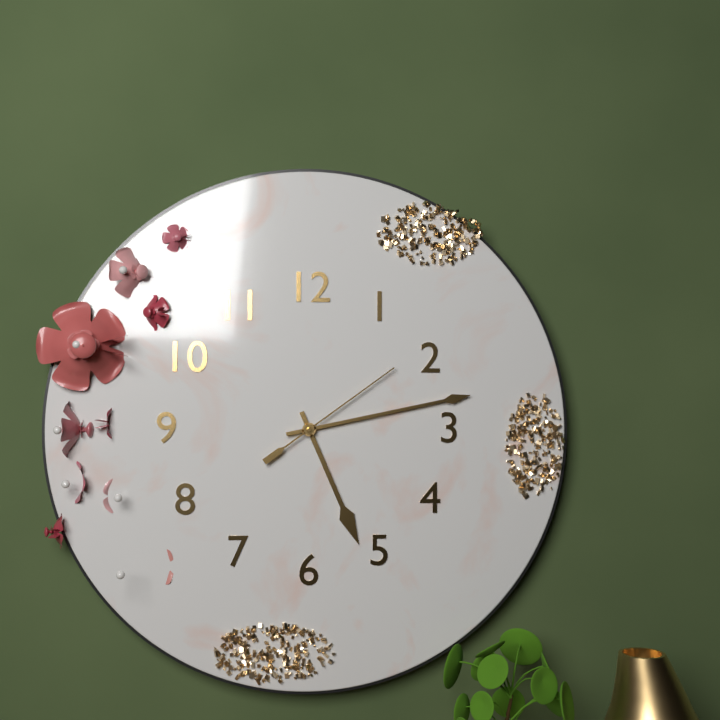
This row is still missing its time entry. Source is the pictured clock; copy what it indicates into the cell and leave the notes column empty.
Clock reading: 5:13:09
